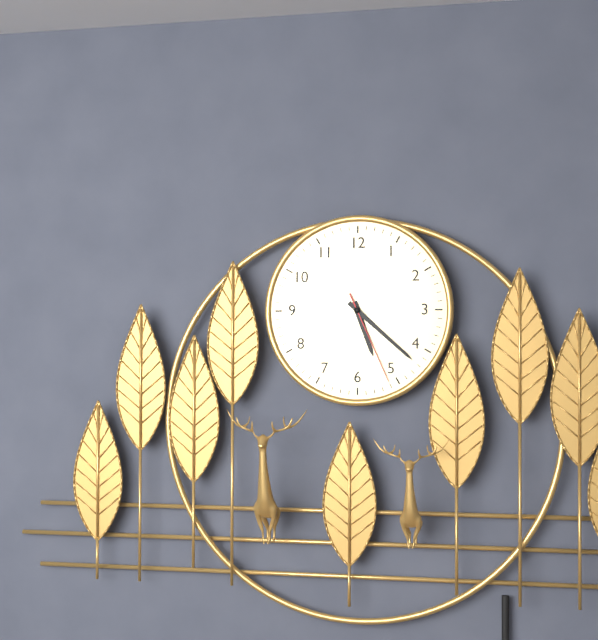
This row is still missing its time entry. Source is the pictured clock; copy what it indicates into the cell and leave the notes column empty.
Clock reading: 5:22:26
